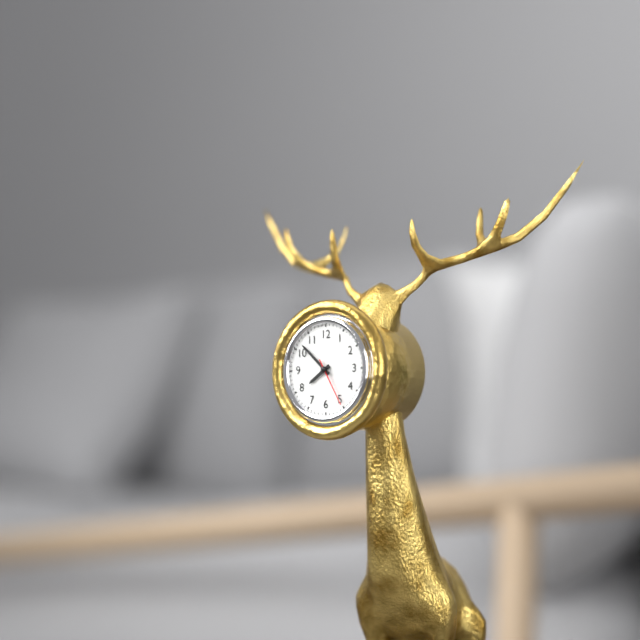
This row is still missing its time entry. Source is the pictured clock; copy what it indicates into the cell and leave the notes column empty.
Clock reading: 7:52
